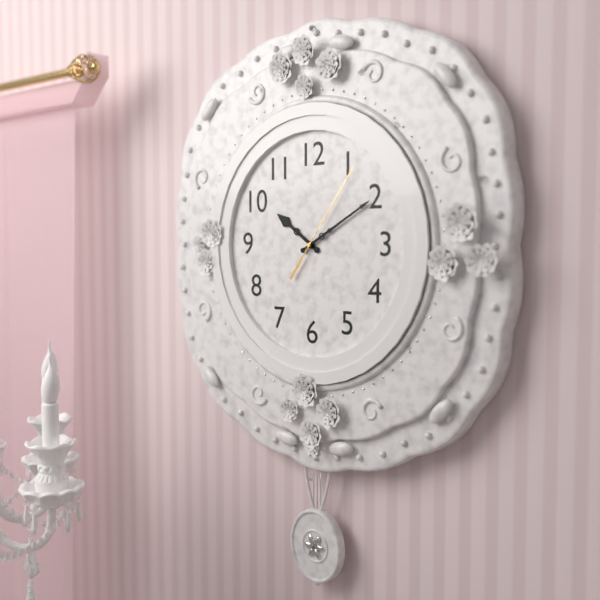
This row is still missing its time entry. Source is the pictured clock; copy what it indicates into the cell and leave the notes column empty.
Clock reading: 10:10:06
